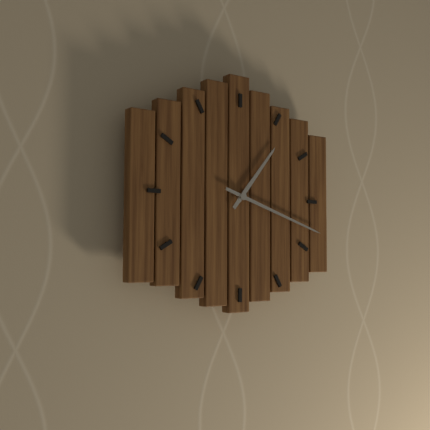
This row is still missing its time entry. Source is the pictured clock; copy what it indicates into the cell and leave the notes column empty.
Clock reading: 1:18
